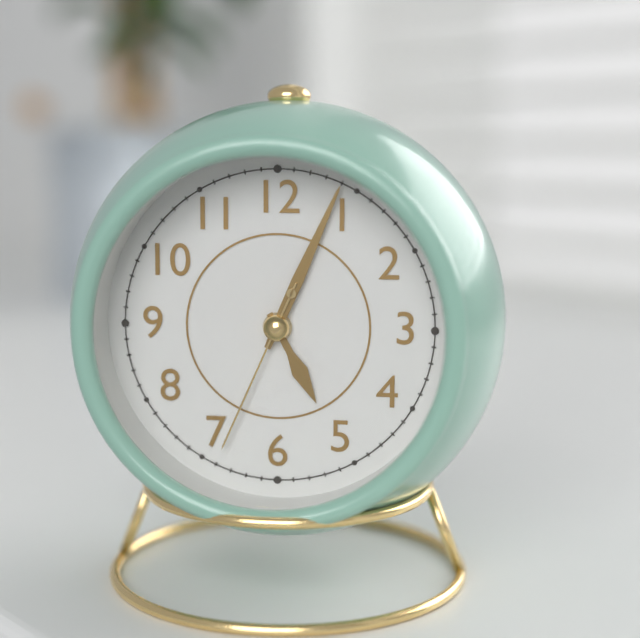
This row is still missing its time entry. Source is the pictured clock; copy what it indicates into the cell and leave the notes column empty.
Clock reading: 5:04:34
